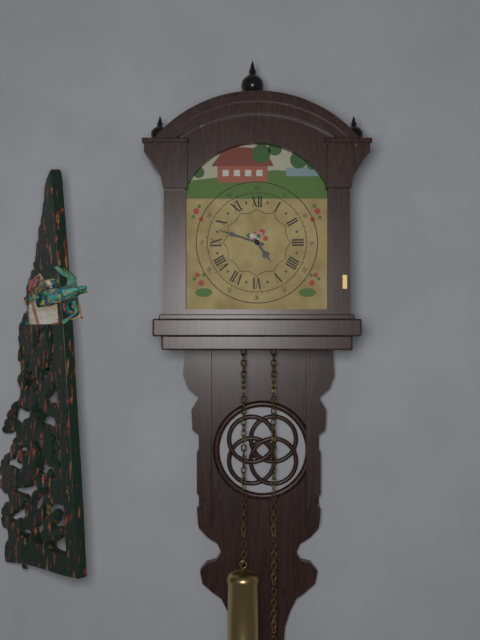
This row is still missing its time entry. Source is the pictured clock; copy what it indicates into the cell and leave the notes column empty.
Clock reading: 4:48
